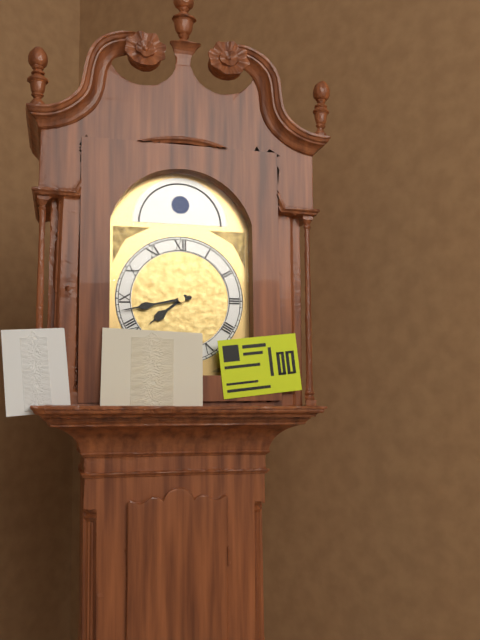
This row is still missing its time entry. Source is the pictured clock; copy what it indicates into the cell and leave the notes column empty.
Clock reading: 7:43
